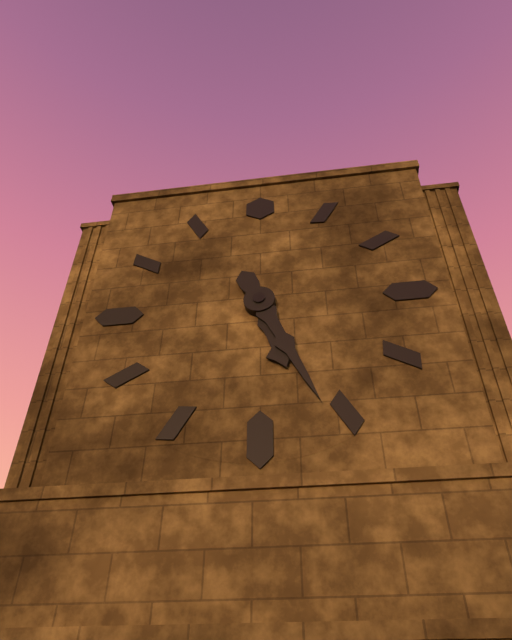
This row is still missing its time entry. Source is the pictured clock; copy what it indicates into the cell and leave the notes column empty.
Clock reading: 5:26
